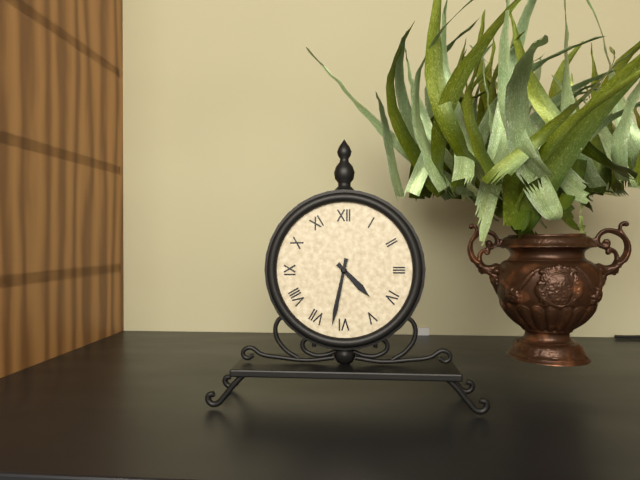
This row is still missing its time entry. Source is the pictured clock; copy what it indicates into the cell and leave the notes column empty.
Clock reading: 4:32
